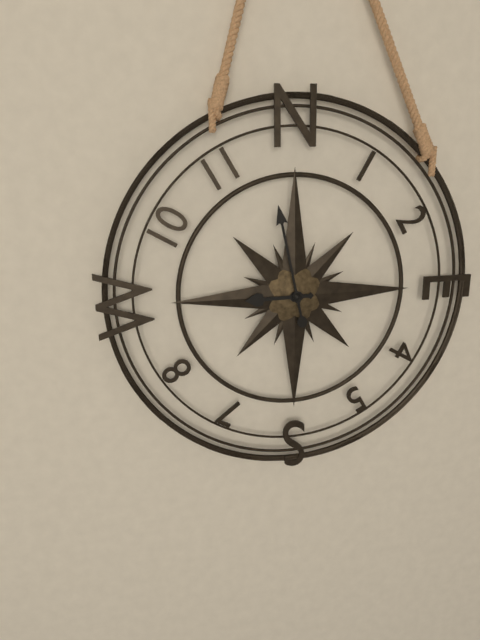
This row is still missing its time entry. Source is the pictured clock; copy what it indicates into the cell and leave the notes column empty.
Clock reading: 8:58
